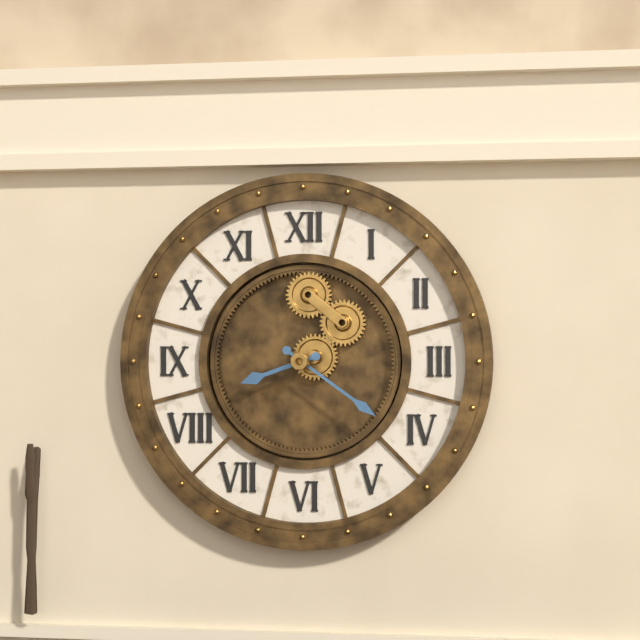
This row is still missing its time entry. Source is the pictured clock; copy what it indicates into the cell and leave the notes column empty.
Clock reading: 8:21
